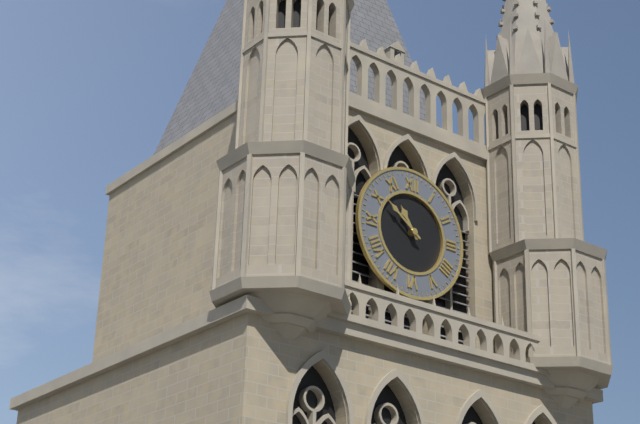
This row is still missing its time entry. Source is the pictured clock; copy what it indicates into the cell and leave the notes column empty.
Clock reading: 10:51
